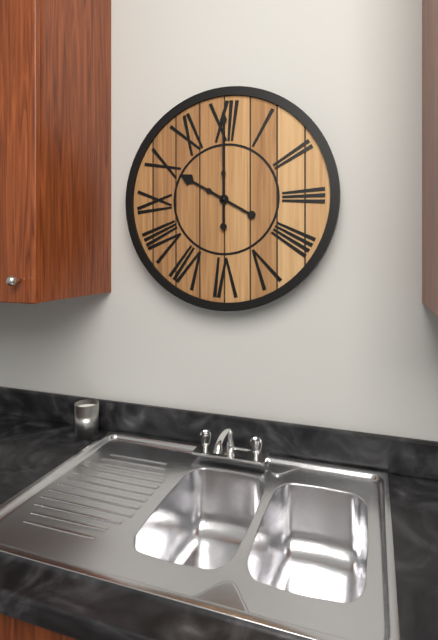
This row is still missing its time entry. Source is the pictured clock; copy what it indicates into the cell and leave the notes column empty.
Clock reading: 10:00
